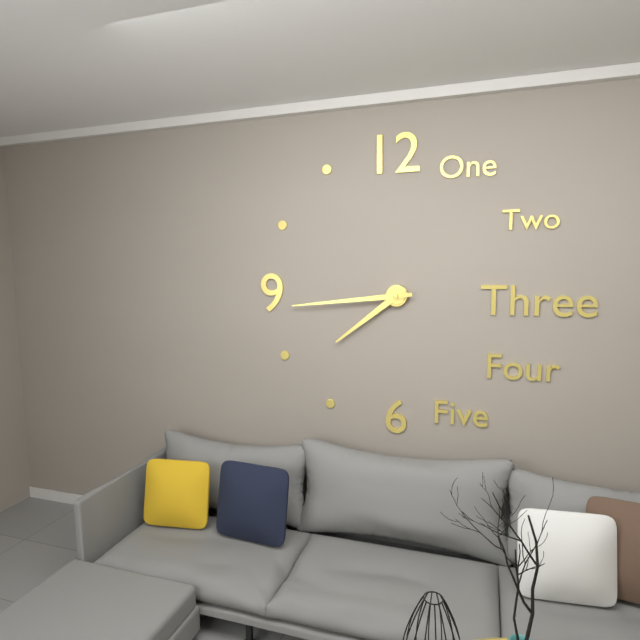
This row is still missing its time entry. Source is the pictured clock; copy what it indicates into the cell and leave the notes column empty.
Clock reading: 7:44
